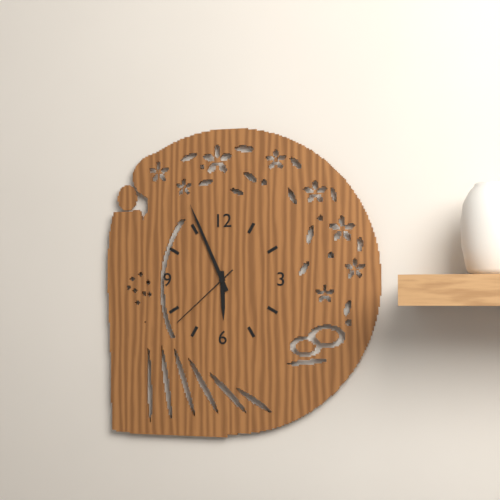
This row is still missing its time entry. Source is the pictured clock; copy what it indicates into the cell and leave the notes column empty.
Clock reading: 5:56:38
